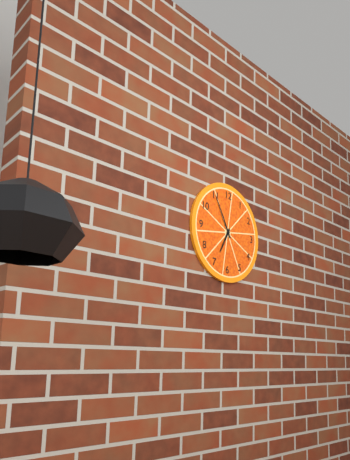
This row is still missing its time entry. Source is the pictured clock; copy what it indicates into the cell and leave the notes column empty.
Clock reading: 6:55
